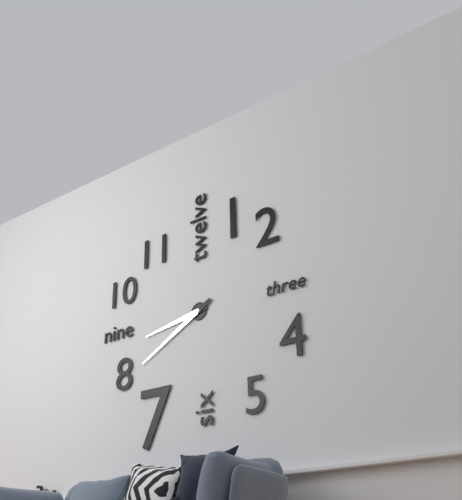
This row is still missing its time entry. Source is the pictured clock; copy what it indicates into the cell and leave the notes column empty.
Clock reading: 8:40
